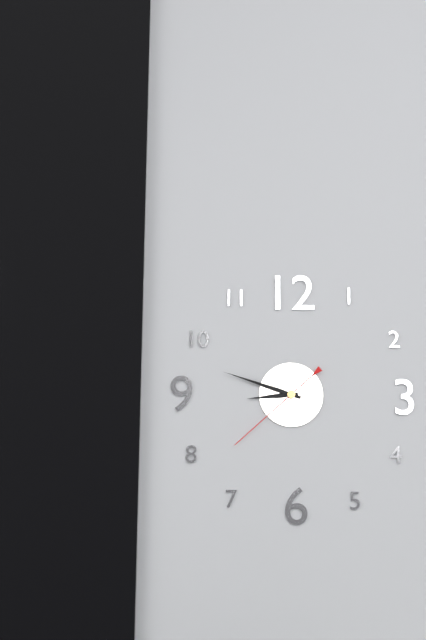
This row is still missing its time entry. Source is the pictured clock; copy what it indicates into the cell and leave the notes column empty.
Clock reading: 8:48:38
